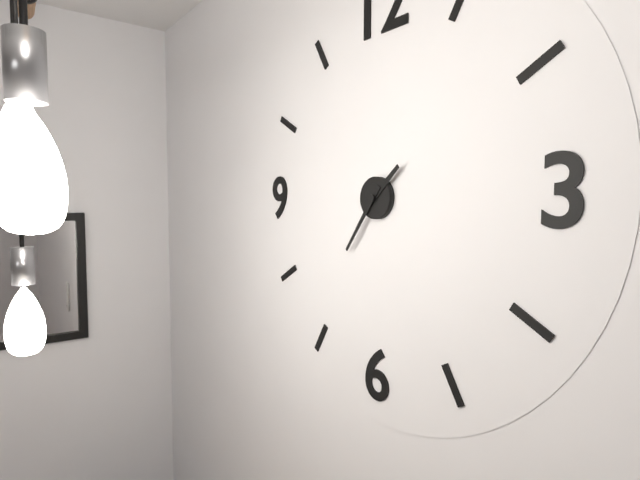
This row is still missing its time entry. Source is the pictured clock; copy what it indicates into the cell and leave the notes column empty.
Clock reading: 1:36
